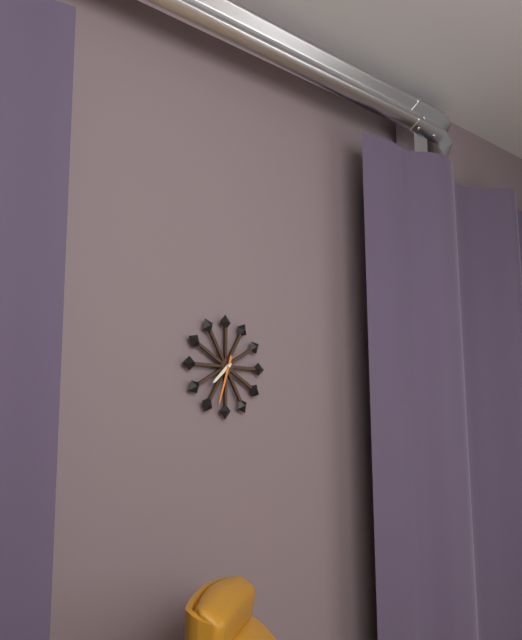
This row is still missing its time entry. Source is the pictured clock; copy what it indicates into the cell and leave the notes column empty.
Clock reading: 7:33
